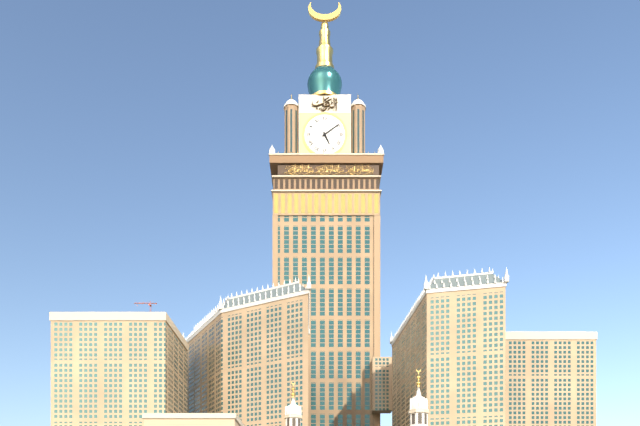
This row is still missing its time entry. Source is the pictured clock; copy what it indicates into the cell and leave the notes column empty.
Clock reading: 5:09
